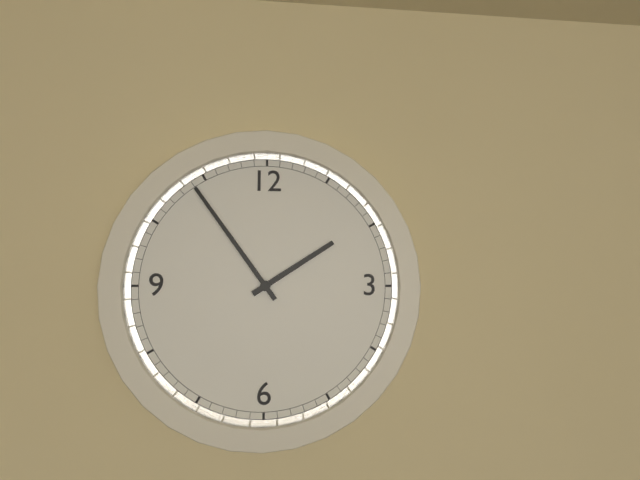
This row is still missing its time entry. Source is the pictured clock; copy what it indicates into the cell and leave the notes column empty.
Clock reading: 1:54
